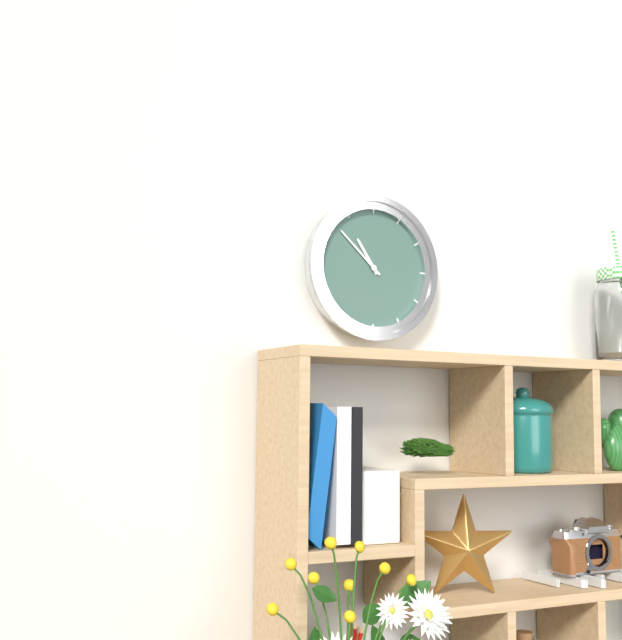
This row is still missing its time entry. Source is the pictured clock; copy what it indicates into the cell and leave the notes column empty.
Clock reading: 10:52
